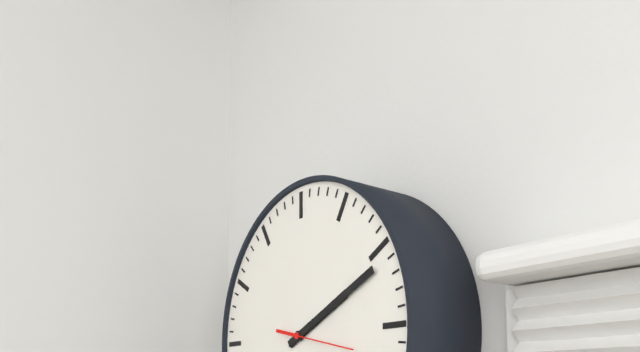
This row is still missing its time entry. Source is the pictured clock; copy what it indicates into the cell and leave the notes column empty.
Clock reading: 2:11:17
